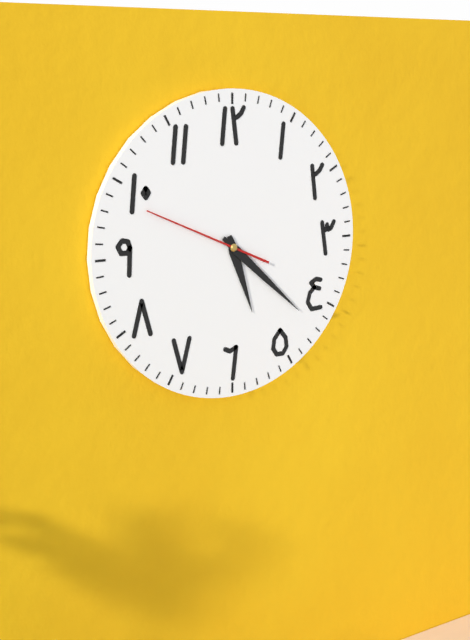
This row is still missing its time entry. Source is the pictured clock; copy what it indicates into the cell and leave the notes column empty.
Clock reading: 5:22:49
